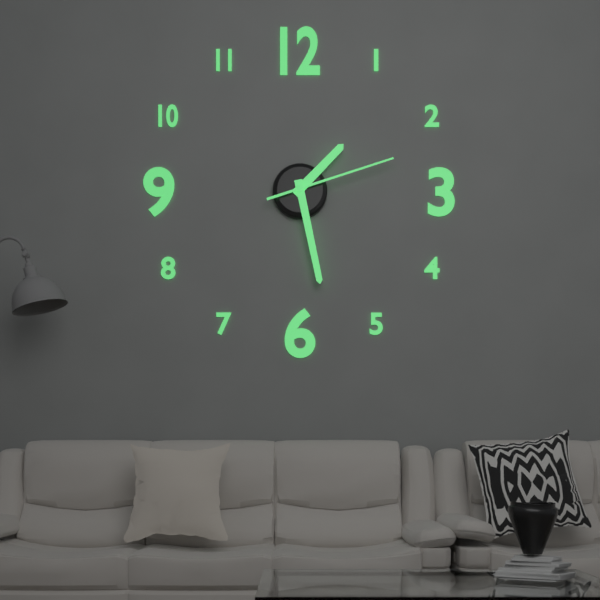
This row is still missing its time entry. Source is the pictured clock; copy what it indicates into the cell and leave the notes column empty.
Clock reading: 1:28:12
